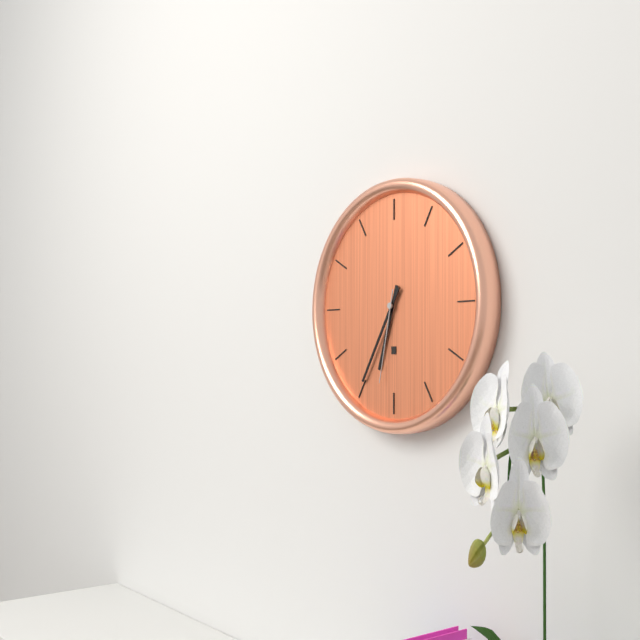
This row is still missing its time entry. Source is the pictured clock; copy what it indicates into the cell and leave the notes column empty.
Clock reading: 6:35:32
